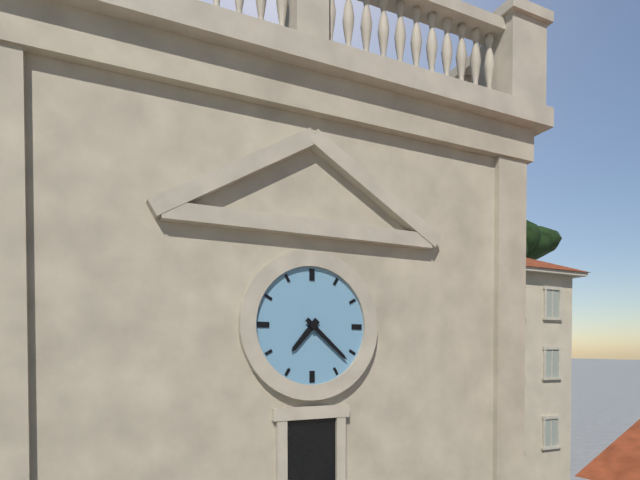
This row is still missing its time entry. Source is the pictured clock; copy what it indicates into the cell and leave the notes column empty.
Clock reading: 7:22
